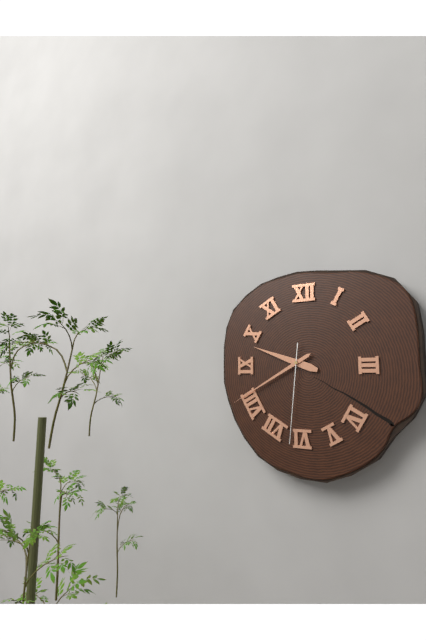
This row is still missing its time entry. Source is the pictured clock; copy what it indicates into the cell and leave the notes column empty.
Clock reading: 9:40:31
